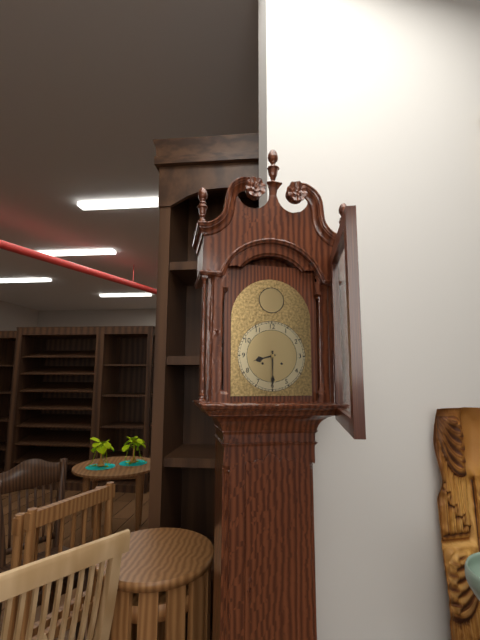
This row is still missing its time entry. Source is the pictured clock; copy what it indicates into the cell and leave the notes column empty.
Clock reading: 8:30
